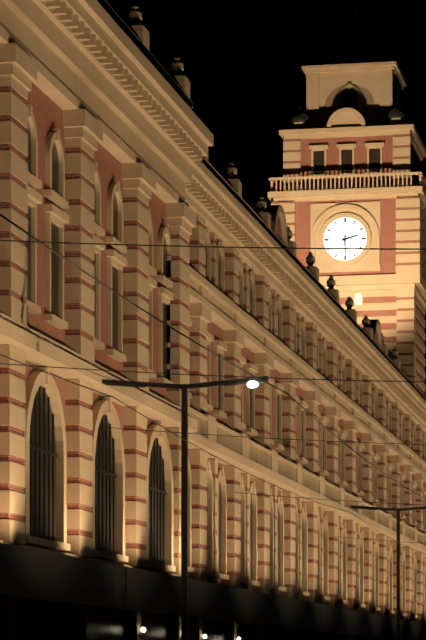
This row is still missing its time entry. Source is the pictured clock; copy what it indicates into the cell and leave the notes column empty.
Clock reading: 2:30
